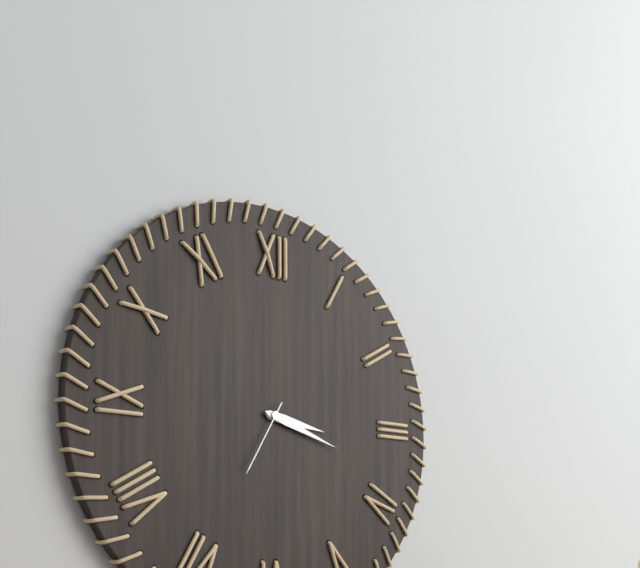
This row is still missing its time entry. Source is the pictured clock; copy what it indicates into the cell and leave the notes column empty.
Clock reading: 3:18:35
